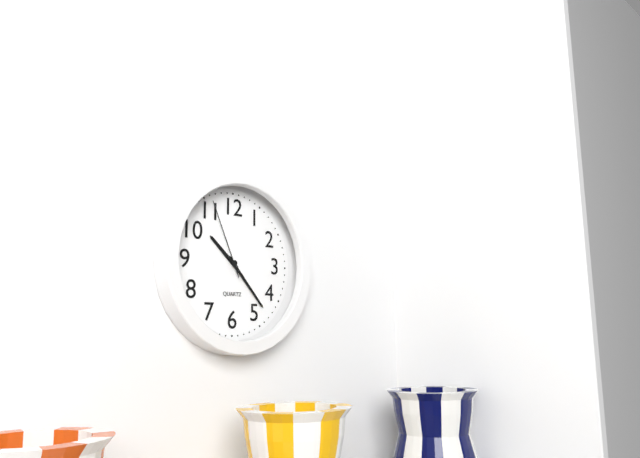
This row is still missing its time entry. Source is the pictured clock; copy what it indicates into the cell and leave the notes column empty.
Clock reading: 10:23:56
